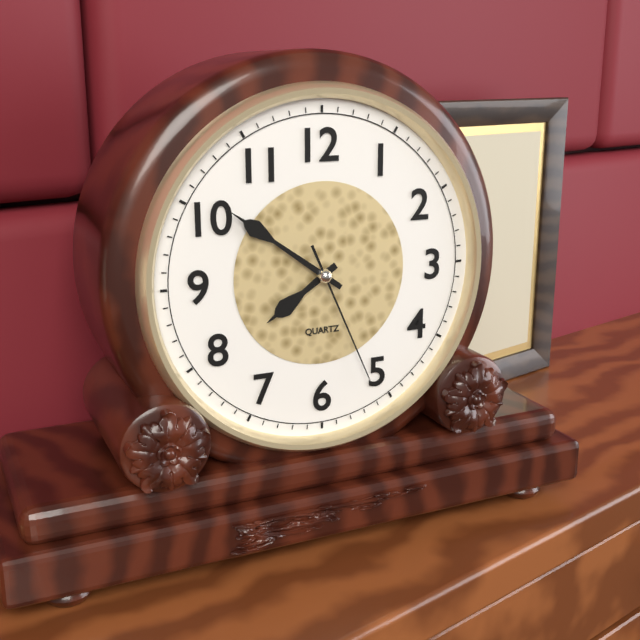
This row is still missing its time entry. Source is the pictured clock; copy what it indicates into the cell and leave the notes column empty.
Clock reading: 7:51:26
